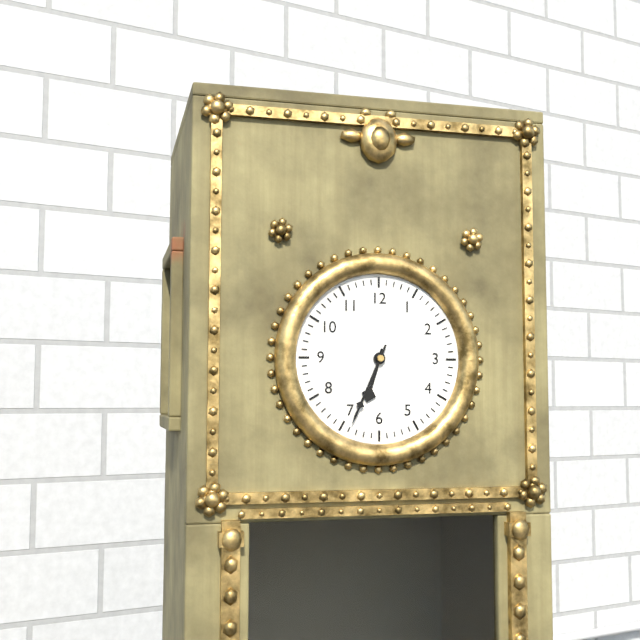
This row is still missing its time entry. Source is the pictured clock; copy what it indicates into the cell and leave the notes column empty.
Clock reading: 6:34
